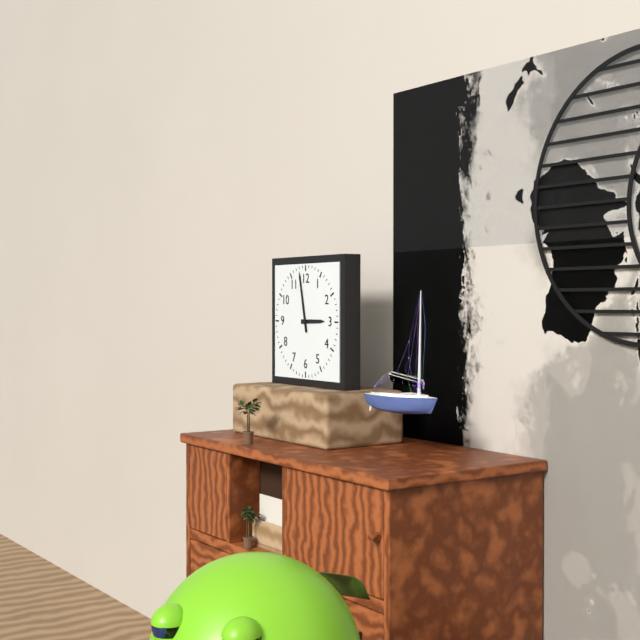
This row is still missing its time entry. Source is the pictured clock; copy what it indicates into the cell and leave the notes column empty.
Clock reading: 2:58
